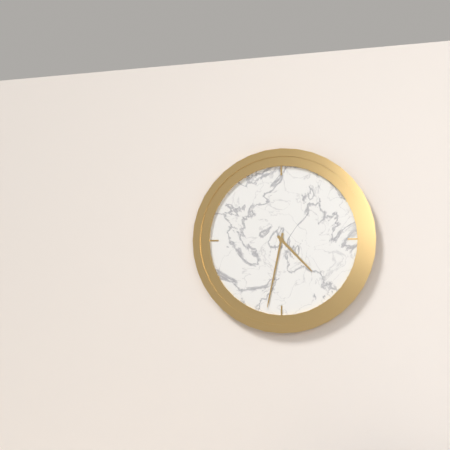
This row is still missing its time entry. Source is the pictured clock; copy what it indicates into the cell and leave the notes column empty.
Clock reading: 4:32
